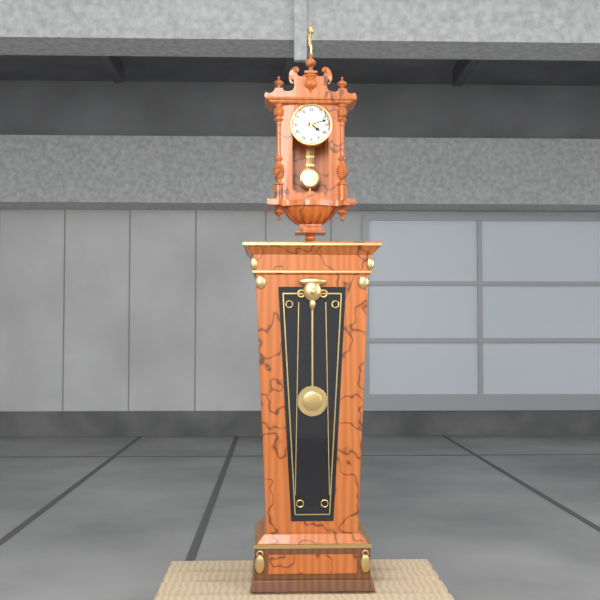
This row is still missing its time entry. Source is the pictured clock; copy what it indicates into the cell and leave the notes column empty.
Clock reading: 4:12
